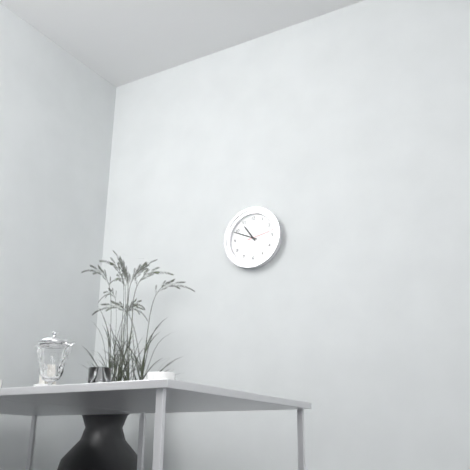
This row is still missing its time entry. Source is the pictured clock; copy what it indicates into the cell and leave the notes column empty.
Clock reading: 10:49
